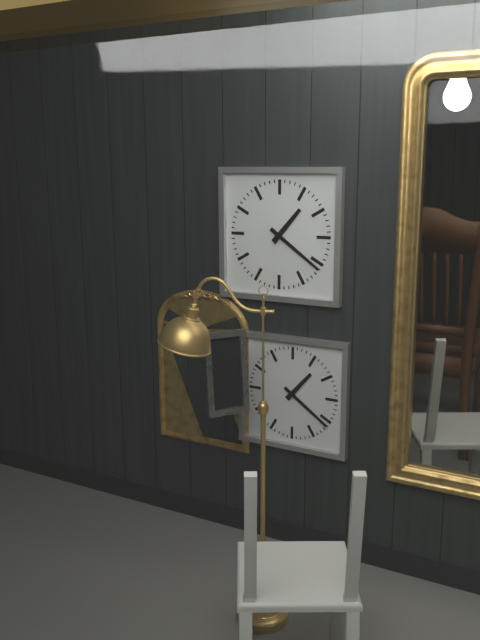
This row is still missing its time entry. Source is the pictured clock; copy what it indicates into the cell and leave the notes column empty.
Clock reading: 1:21
